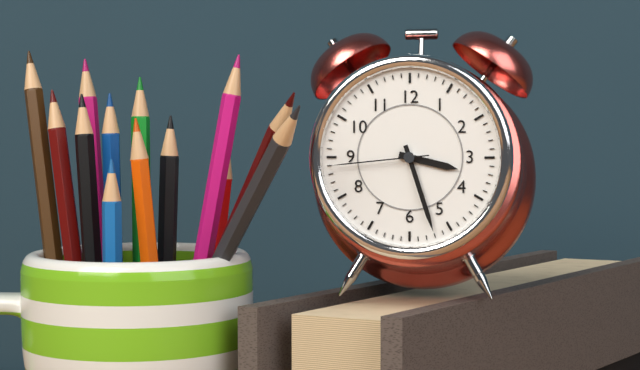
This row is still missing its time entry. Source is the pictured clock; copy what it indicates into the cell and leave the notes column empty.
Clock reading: 3:27:44
